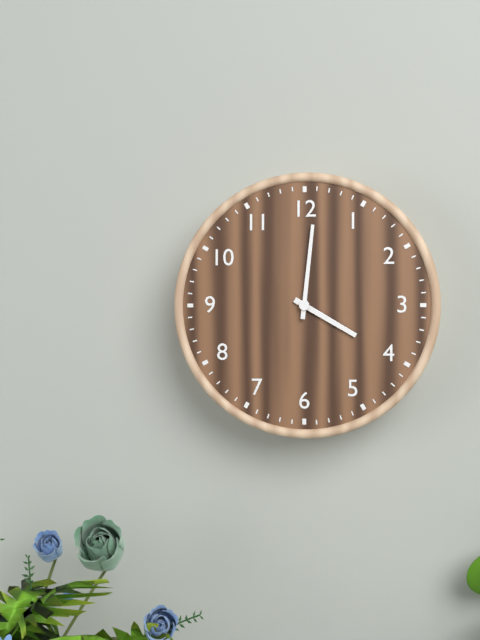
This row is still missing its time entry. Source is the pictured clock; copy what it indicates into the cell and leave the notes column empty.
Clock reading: 4:01
